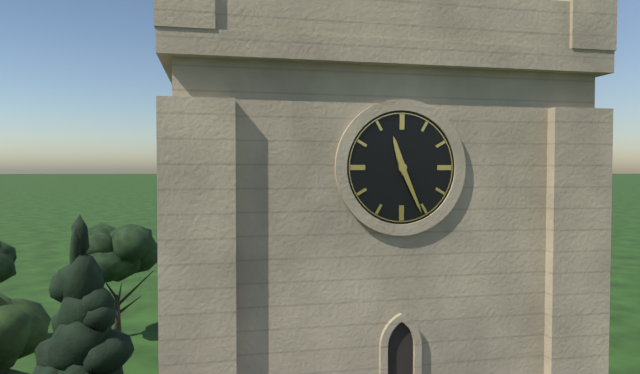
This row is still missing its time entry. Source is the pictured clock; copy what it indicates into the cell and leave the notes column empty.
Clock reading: 11:26
